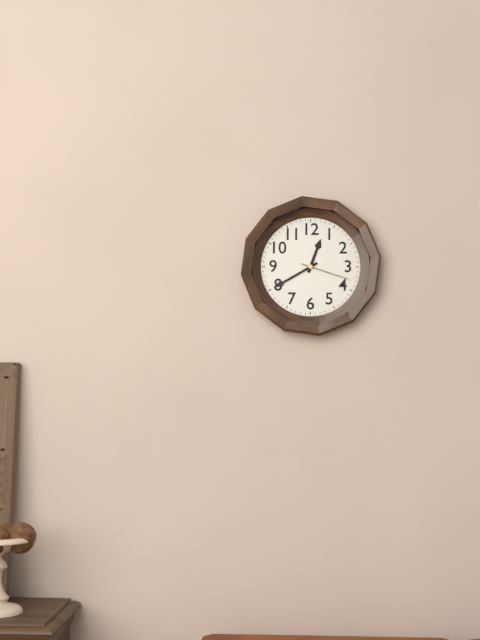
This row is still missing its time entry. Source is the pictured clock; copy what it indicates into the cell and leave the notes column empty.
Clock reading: 12:40:18
